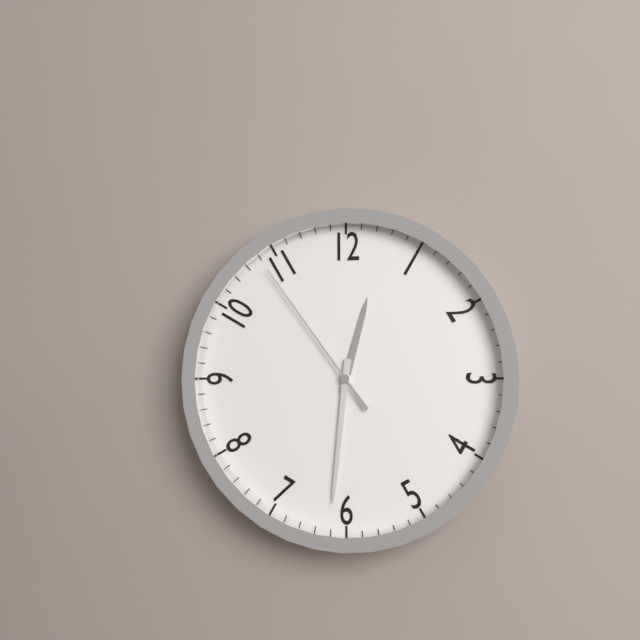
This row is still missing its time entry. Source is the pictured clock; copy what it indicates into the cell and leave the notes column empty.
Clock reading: 12:31:54
